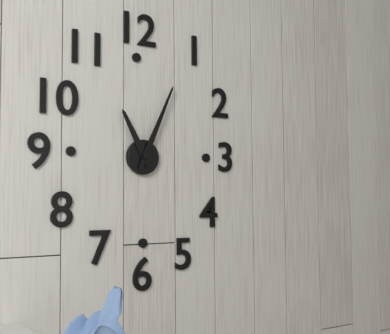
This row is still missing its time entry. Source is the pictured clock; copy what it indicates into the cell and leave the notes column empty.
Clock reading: 11:04
